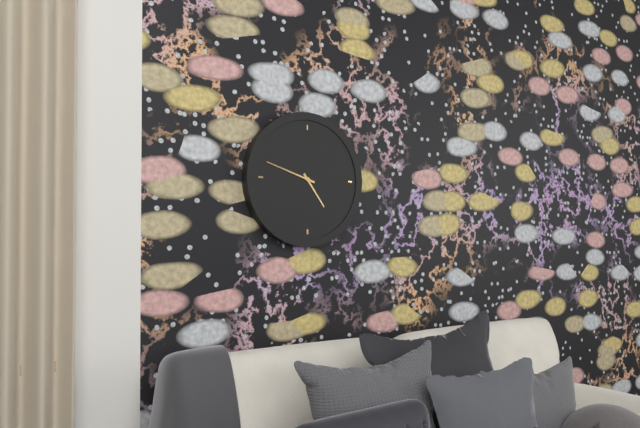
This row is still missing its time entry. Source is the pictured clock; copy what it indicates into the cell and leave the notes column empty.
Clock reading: 4:48
